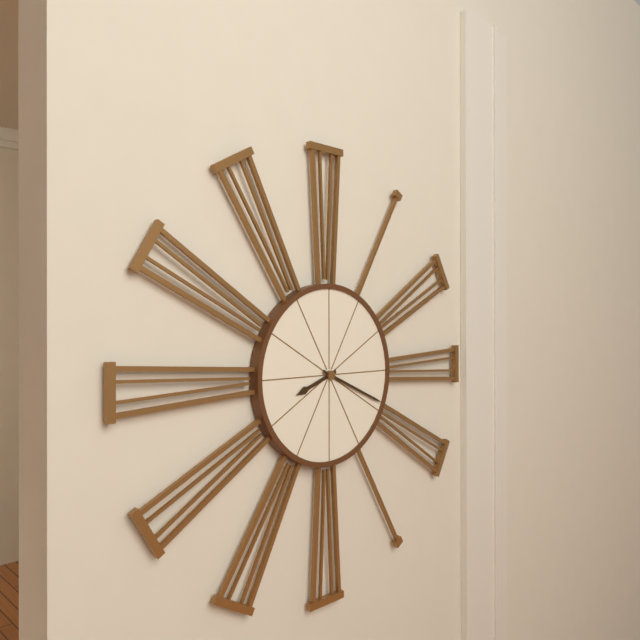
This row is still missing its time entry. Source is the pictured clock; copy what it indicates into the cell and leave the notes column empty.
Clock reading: 8:19
